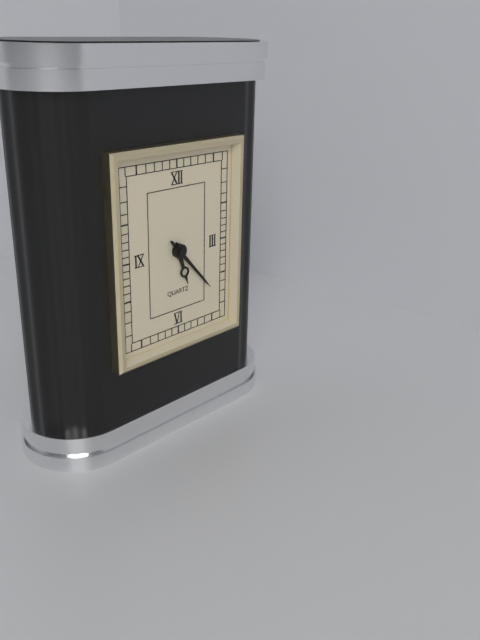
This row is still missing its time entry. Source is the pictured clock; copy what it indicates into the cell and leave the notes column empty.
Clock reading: 5:23
